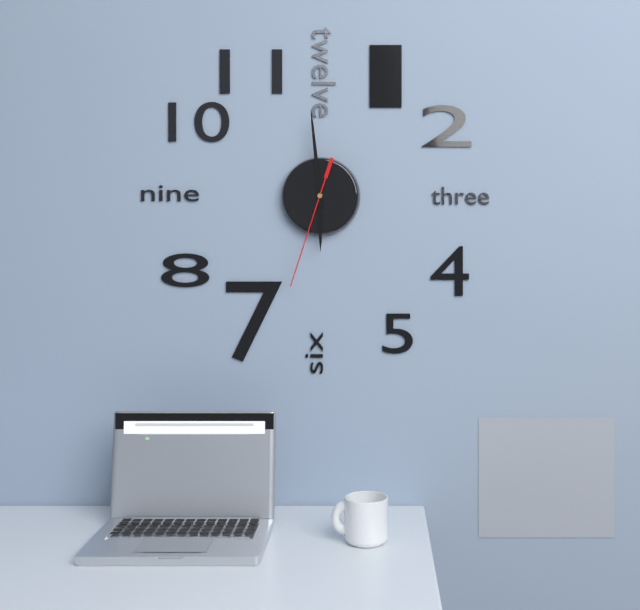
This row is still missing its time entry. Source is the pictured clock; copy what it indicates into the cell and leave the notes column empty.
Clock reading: 5:59:33
